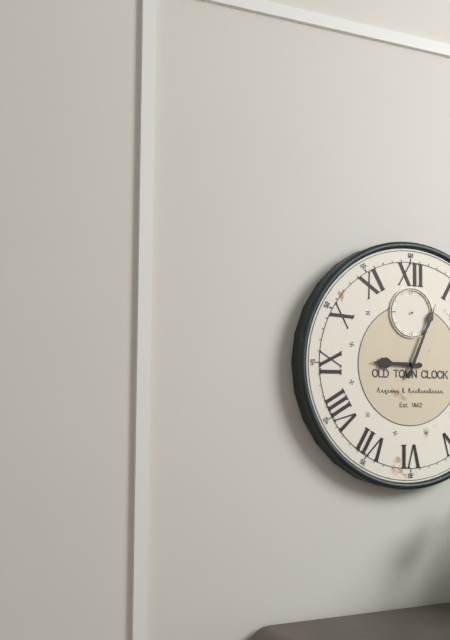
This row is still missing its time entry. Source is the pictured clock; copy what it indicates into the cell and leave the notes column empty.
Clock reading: 9:04
